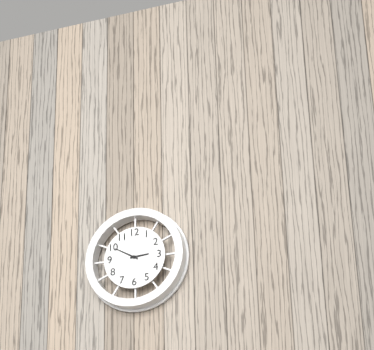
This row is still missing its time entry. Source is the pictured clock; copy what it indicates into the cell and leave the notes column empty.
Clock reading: 2:50
